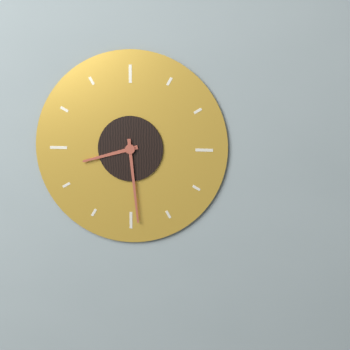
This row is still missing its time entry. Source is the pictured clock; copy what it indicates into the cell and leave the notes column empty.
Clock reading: 8:29
